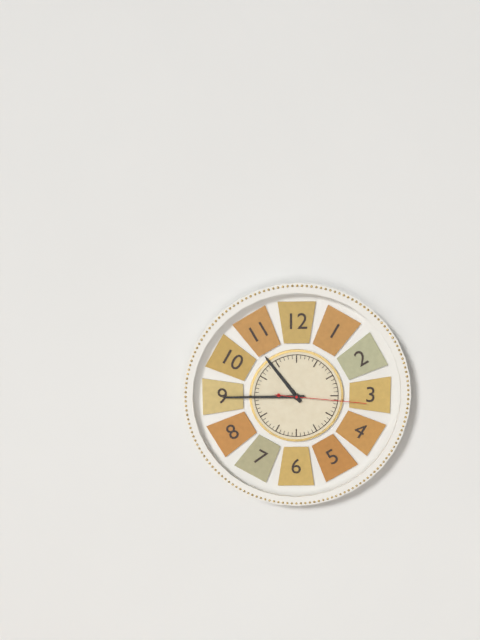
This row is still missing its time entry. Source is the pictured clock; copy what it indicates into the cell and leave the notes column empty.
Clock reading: 10:45:16
